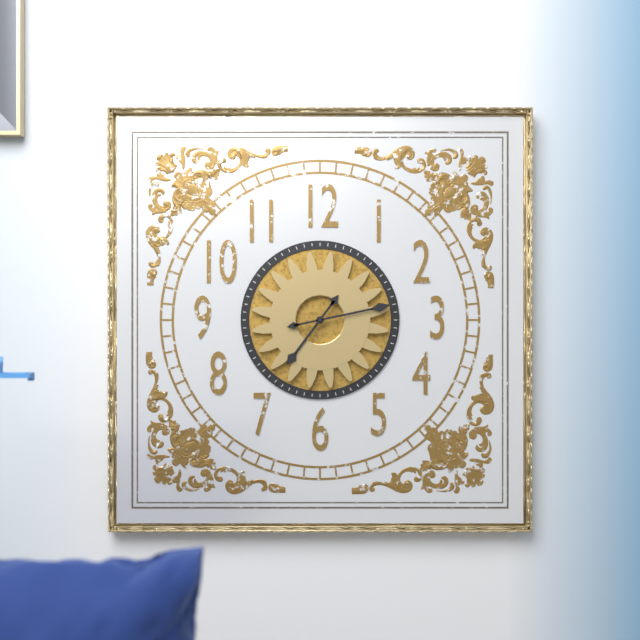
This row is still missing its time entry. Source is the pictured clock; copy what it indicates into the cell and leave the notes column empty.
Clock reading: 7:13
